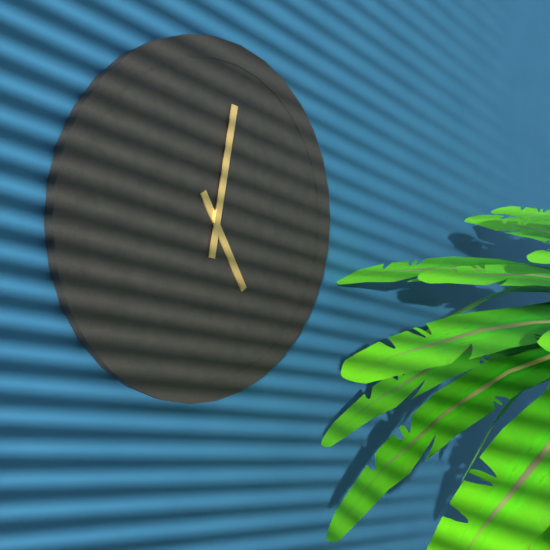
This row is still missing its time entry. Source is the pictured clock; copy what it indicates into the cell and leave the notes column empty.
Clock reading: 5:02
